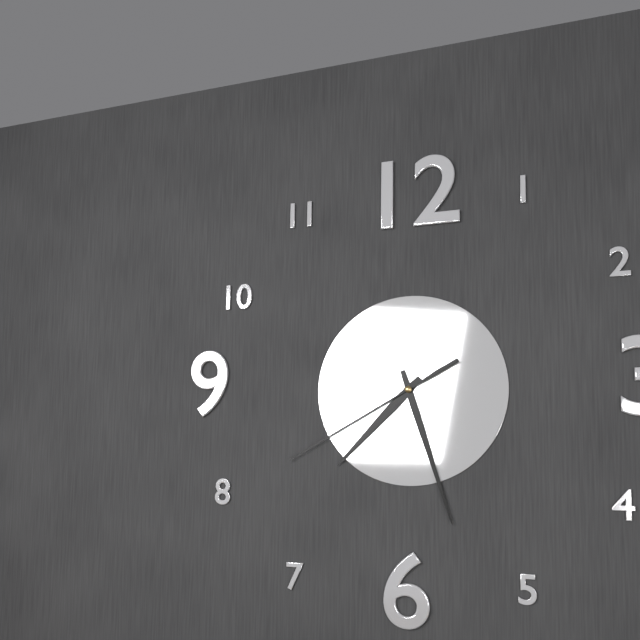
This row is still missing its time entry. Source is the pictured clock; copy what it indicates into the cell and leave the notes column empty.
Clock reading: 7:27:40
